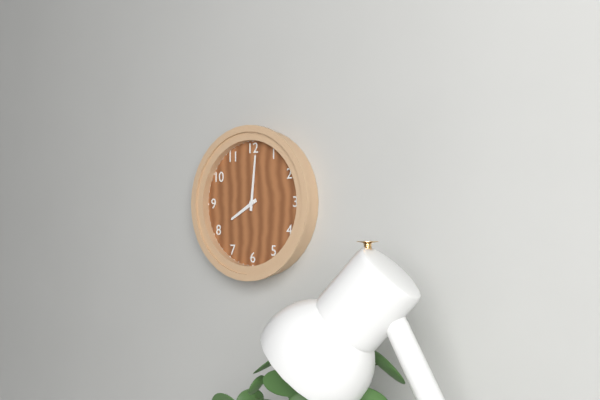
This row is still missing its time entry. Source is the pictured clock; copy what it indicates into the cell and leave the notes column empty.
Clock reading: 8:01
